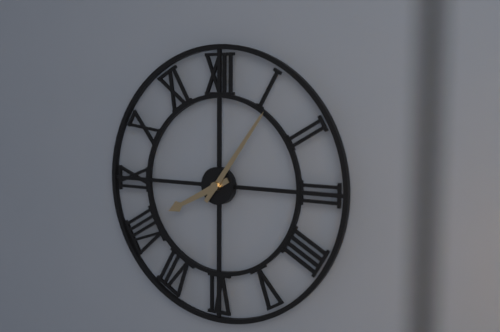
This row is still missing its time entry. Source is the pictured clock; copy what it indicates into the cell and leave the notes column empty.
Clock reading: 8:06
